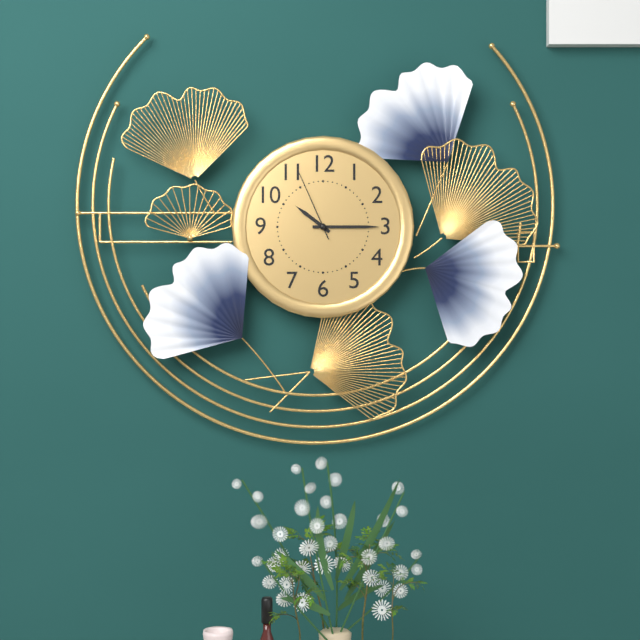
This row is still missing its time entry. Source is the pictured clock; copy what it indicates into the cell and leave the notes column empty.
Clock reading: 10:15:56
